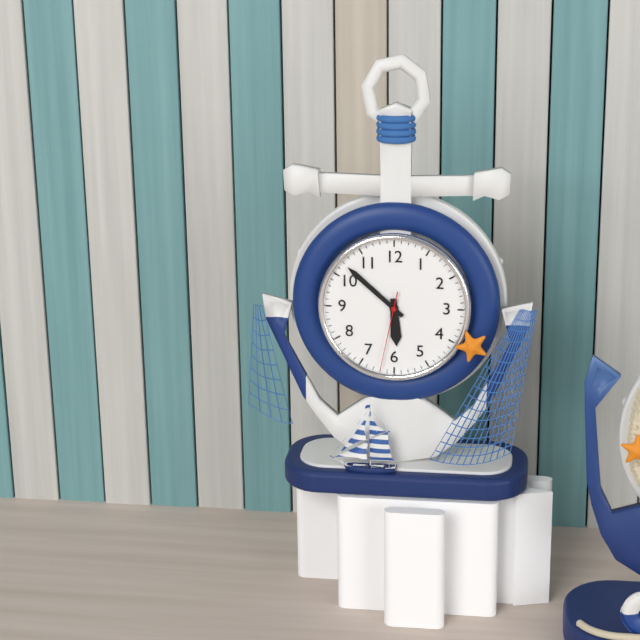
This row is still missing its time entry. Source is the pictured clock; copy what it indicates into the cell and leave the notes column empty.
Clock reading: 5:52:32
